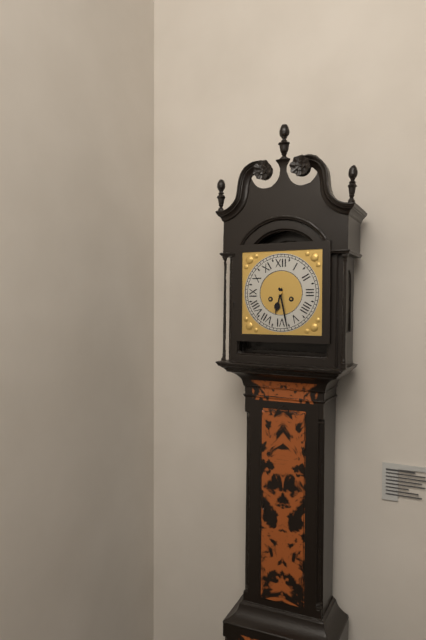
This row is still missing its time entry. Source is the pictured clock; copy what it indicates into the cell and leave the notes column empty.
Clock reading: 6:28
